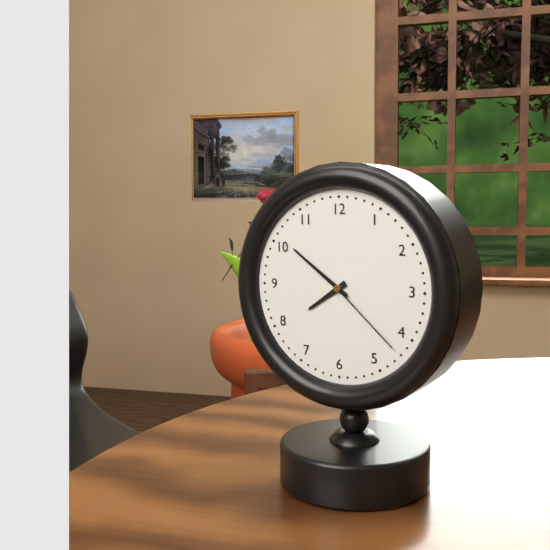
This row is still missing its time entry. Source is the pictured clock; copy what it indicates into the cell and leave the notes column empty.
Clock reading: 7:51:22
